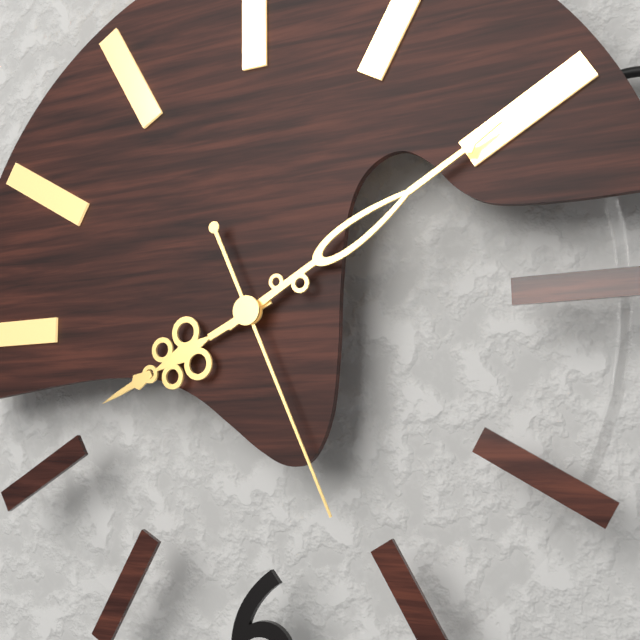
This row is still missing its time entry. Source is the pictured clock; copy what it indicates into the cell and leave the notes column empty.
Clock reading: 8:10:26
